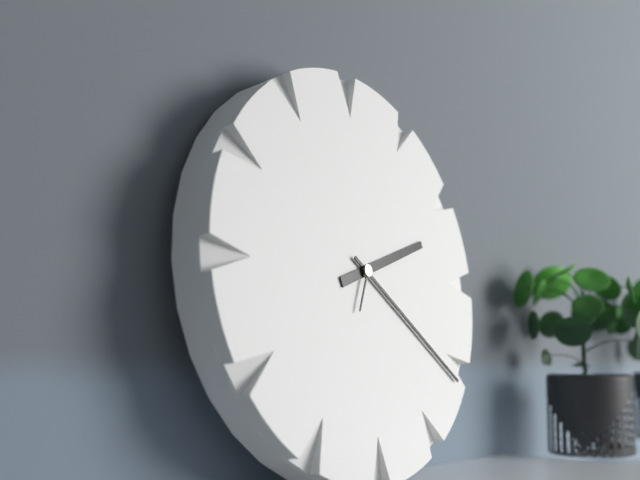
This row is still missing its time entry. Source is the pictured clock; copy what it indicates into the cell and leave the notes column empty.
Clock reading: 2:21:34
